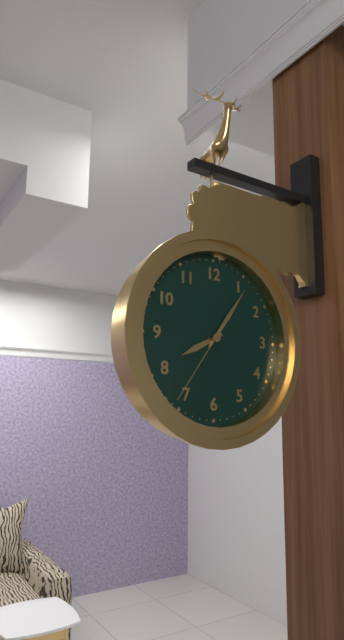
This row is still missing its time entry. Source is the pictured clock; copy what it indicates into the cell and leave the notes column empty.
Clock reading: 8:06:36
